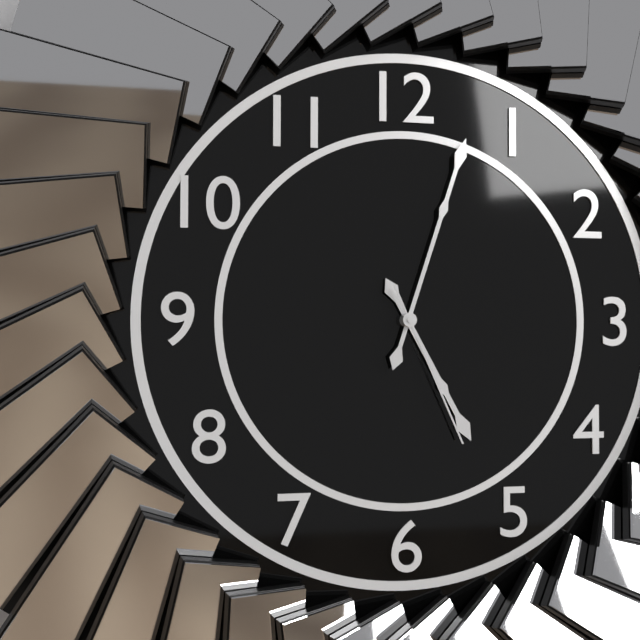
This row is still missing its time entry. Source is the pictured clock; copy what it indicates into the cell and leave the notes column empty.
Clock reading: 5:03:26
